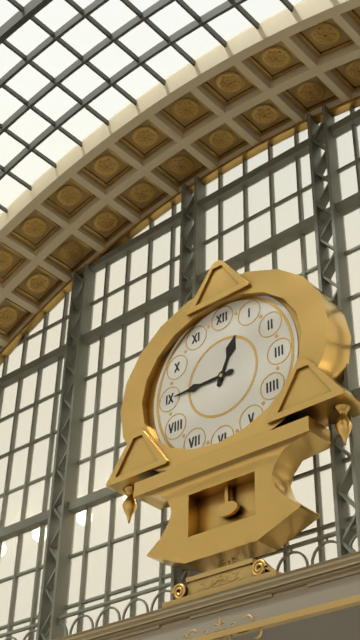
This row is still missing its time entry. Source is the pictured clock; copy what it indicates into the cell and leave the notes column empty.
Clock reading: 12:45
